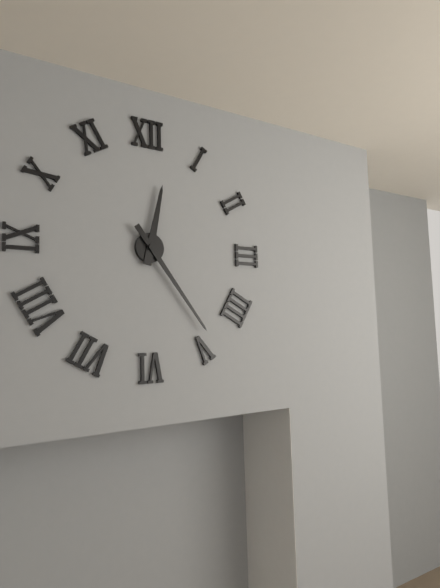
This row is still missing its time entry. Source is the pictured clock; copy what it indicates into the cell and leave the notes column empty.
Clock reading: 12:24
